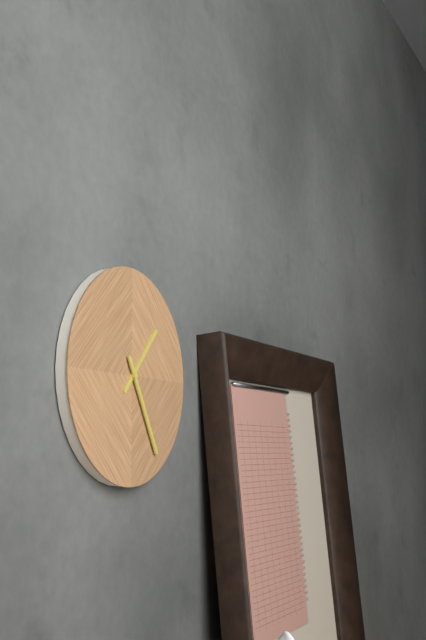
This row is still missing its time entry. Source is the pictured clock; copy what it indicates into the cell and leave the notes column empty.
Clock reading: 1:25
